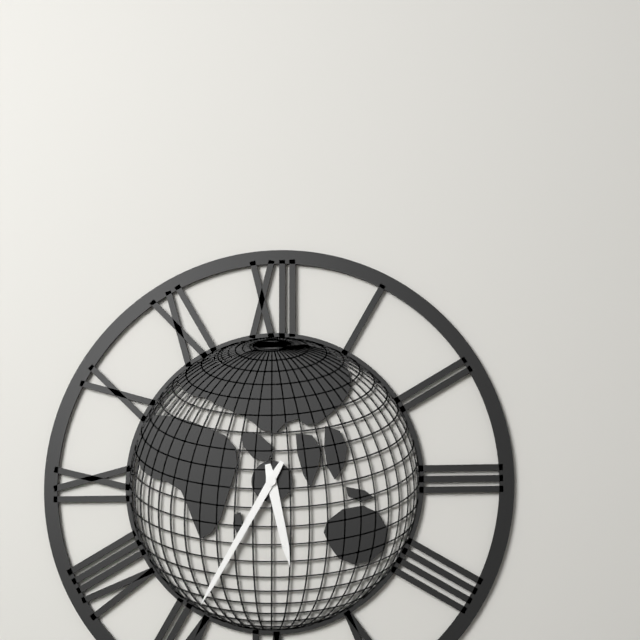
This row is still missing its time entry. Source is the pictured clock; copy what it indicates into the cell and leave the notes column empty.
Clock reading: 5:35
